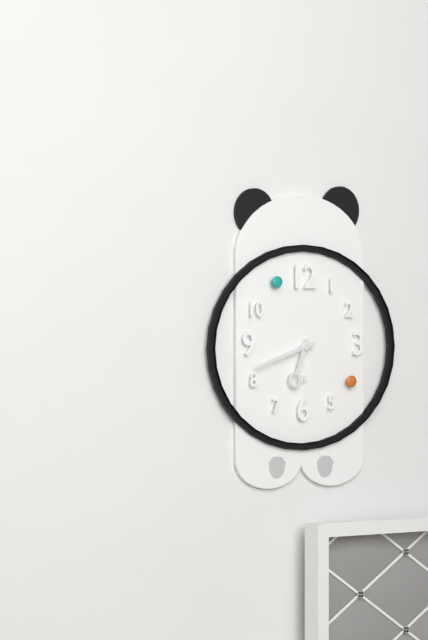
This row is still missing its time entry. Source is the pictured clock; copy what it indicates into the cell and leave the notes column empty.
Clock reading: 6:42
